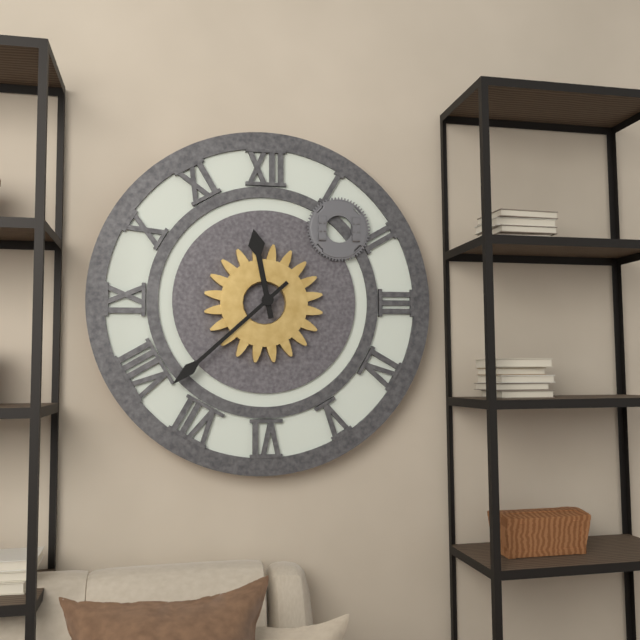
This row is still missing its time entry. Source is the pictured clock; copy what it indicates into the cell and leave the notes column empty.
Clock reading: 11:38
